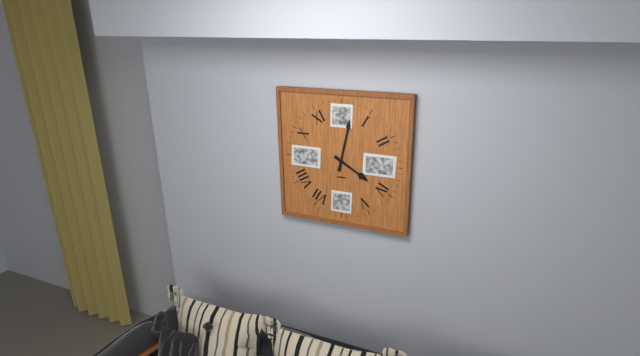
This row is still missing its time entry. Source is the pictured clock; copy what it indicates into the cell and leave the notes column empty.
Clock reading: 4:02
